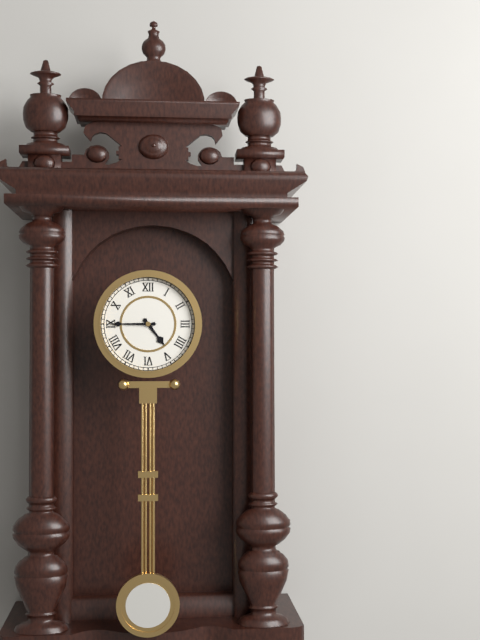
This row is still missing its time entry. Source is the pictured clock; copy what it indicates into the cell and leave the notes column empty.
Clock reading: 4:45
